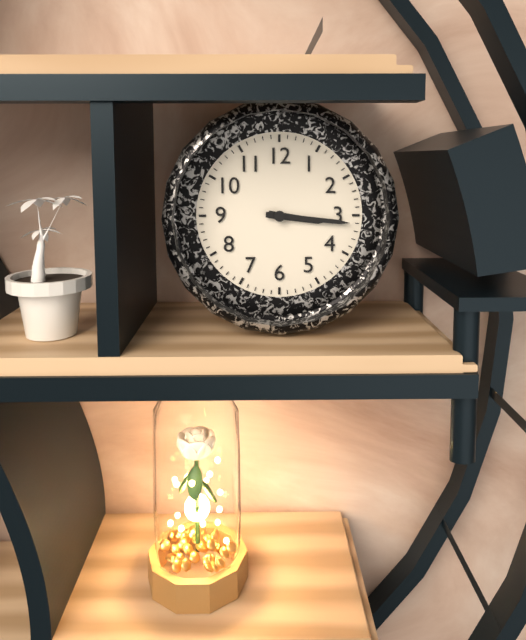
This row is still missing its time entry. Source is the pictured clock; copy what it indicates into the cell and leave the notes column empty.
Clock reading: 3:16
